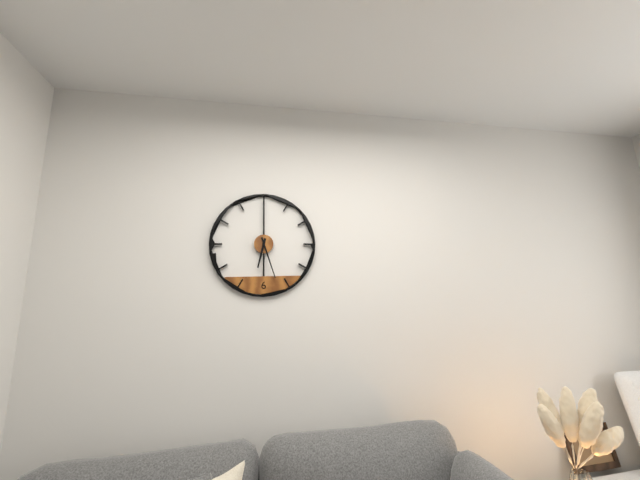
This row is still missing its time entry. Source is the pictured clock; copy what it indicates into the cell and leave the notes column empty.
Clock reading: 6:27
